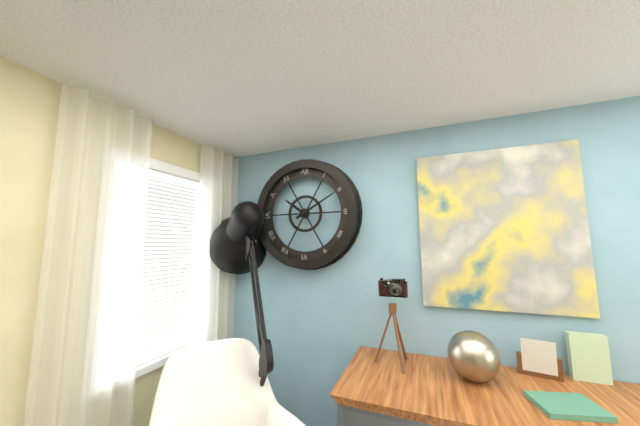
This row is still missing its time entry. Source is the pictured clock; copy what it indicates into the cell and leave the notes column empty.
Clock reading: 10:10
